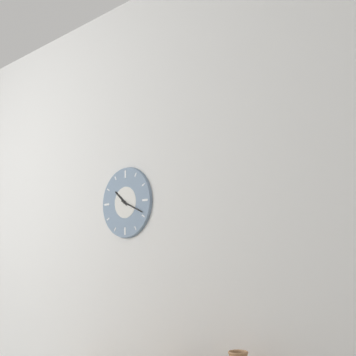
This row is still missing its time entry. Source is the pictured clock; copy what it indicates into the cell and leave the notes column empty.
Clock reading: 10:19
